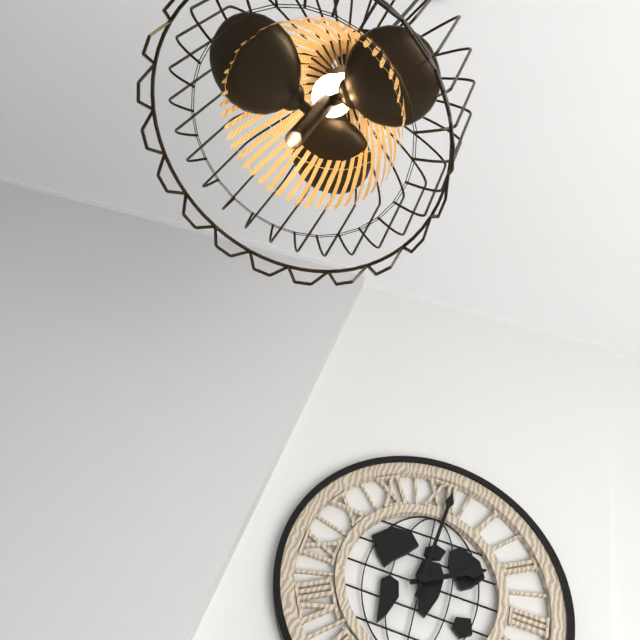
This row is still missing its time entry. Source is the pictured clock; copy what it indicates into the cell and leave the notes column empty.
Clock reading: 2:01
